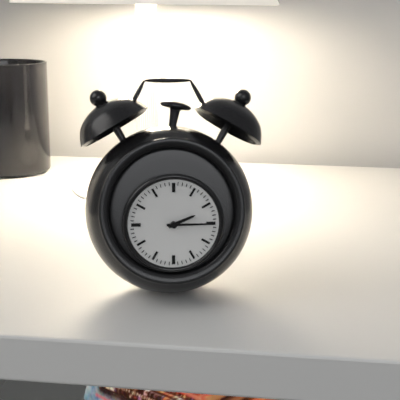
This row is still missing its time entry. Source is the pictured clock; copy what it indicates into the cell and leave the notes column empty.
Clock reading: 2:15
